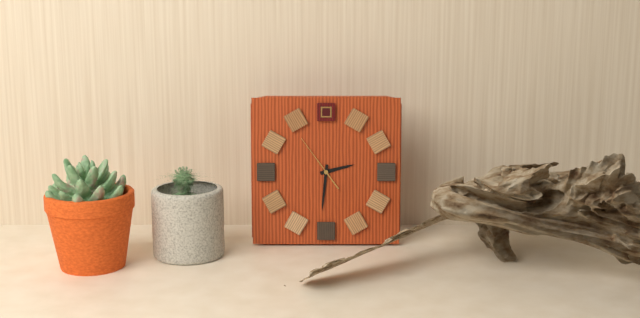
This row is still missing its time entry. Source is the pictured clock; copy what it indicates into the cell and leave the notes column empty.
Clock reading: 2:31:54
